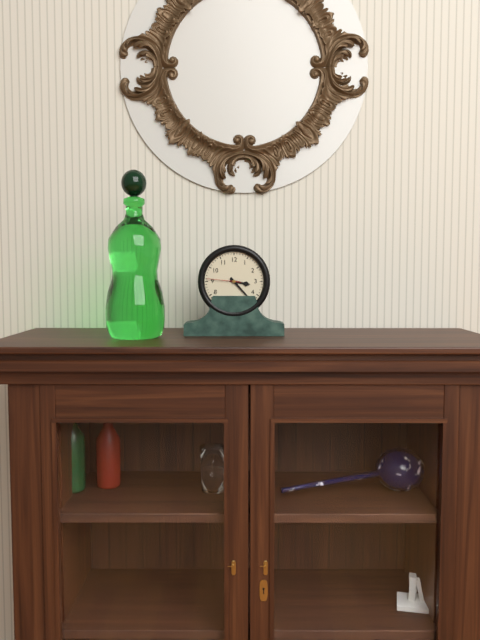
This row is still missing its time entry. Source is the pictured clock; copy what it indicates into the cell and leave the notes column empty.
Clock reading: 3:23
